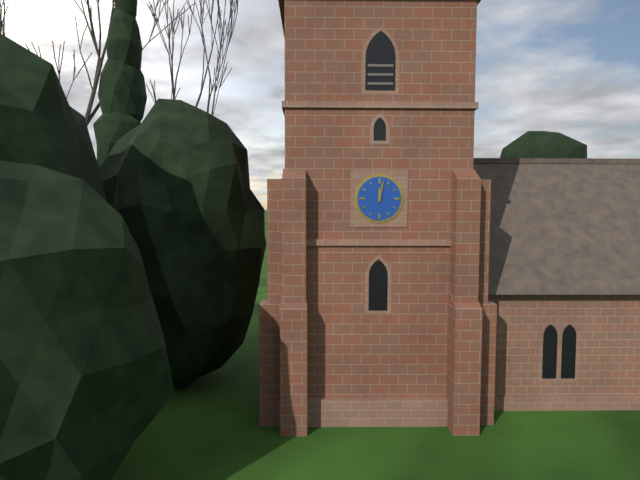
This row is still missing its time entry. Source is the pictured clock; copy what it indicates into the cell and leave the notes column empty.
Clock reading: 12:02
